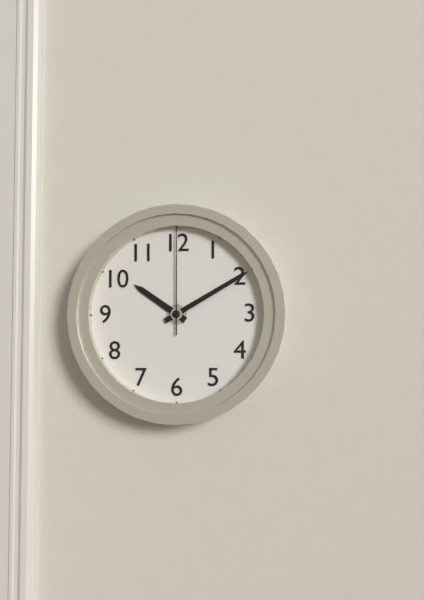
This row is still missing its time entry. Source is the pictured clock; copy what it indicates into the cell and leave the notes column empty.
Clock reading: 10:10:00
